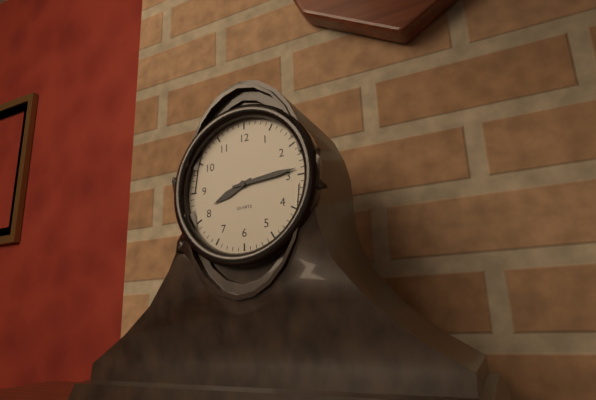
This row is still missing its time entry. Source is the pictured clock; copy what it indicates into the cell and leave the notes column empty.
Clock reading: 8:14
